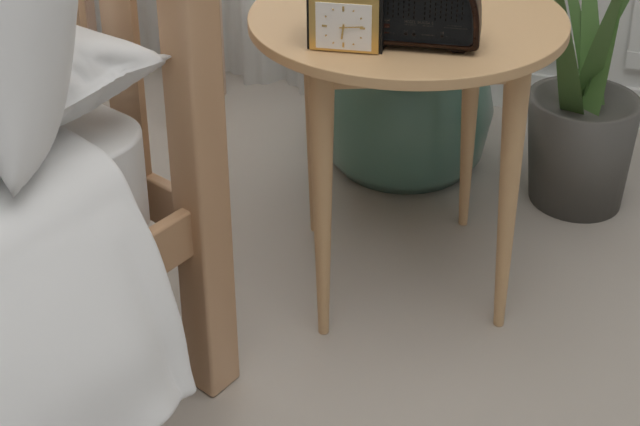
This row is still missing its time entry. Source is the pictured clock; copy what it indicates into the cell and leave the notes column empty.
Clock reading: 6:14
